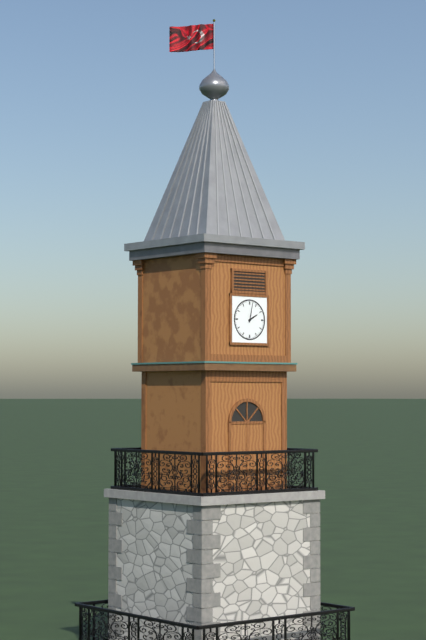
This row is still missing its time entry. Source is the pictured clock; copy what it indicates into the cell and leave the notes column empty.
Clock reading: 2:02
